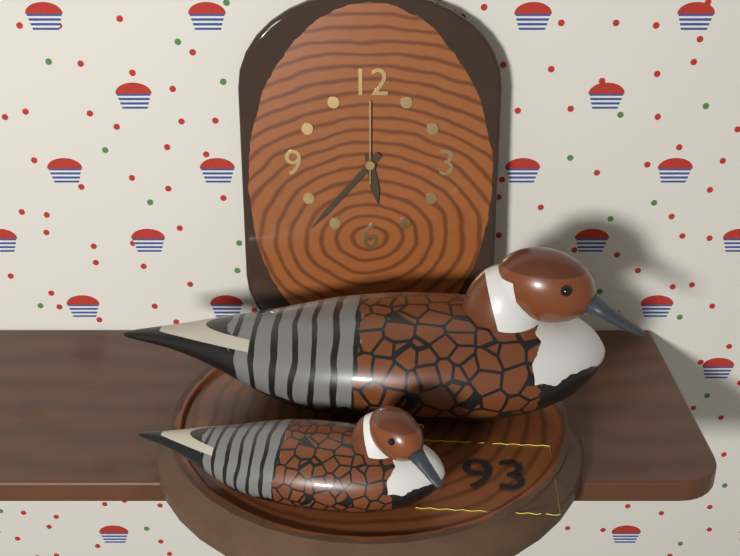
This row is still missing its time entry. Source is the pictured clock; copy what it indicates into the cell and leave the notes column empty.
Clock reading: 5:37:00
